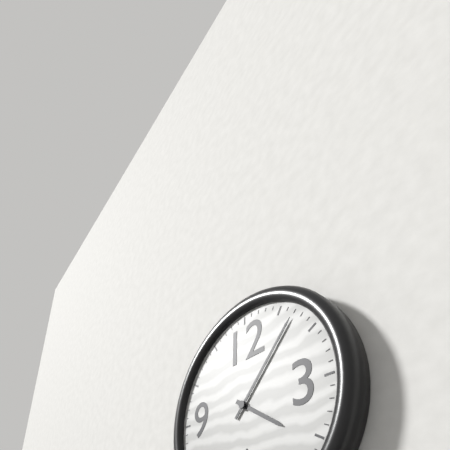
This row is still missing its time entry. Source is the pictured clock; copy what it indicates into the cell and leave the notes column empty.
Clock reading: 4:07
